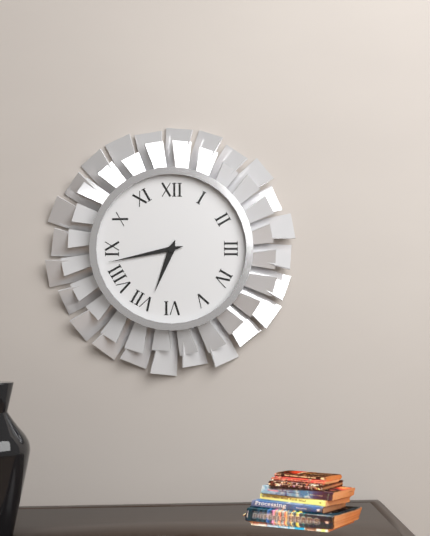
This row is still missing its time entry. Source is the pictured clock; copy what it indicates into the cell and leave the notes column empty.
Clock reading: 6:43
